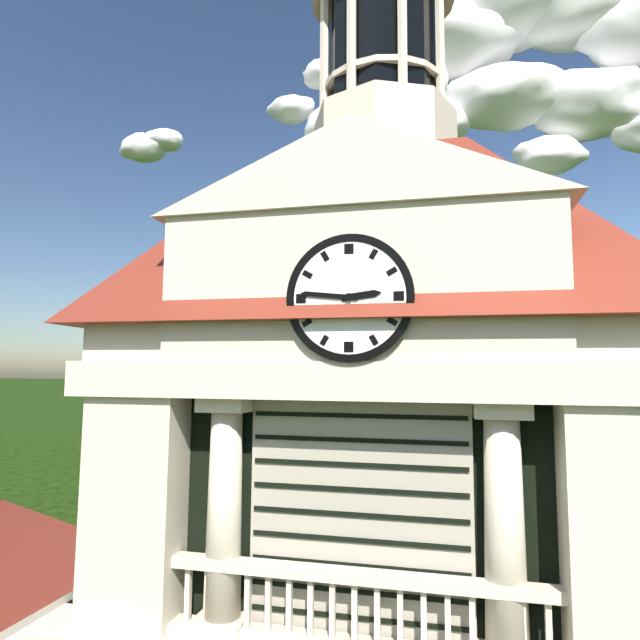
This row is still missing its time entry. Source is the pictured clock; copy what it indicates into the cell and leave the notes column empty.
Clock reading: 2:46
